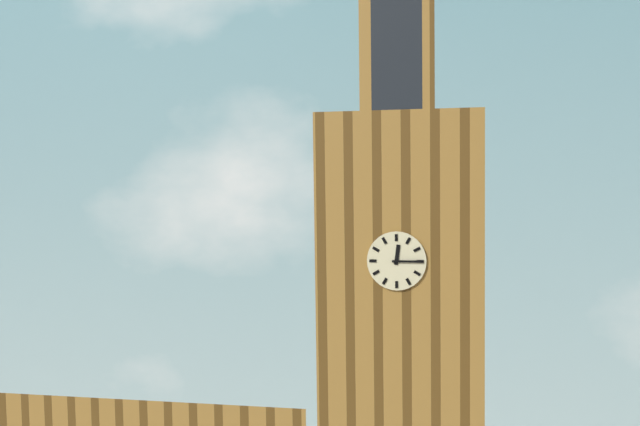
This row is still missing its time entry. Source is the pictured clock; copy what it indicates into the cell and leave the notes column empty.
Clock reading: 12:15
